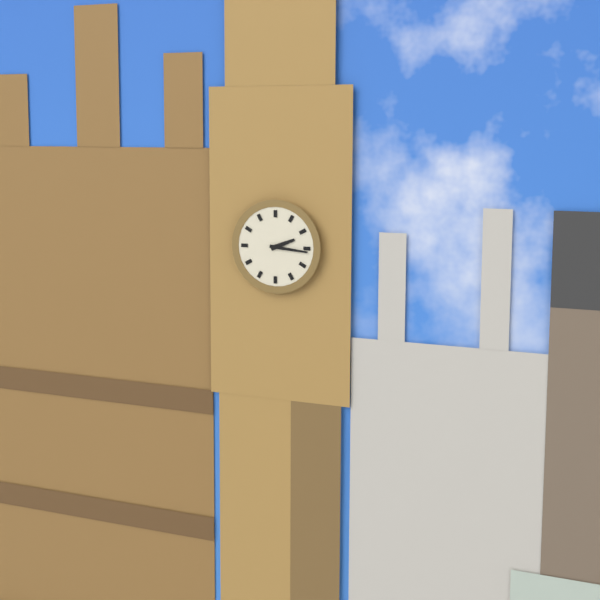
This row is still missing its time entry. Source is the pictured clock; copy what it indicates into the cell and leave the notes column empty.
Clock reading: 2:16
